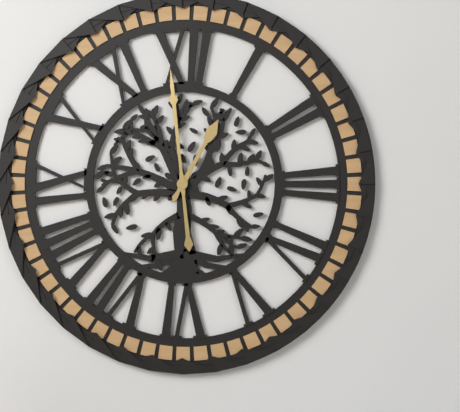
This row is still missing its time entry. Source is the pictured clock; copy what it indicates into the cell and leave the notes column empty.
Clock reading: 12:59
